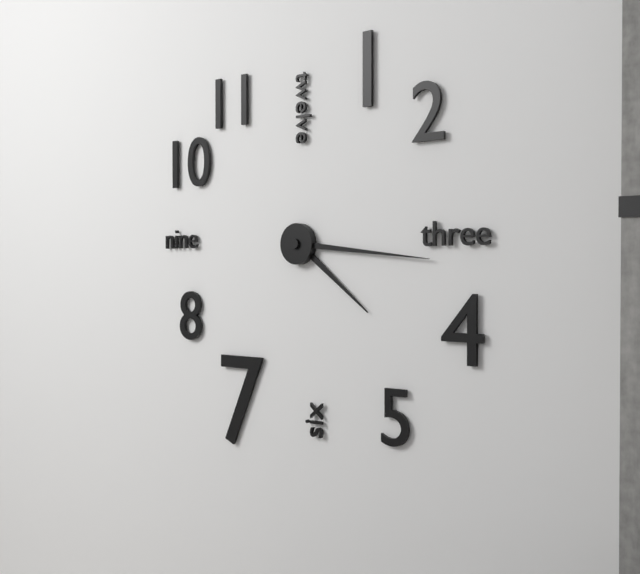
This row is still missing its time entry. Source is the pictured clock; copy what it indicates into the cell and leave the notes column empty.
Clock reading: 4:16
